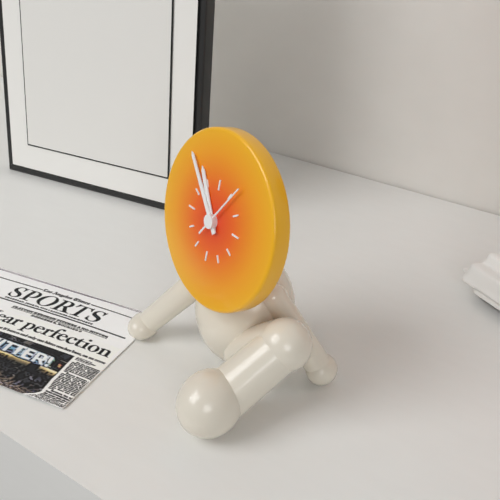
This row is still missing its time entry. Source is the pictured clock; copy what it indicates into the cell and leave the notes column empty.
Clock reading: 10:53:06
